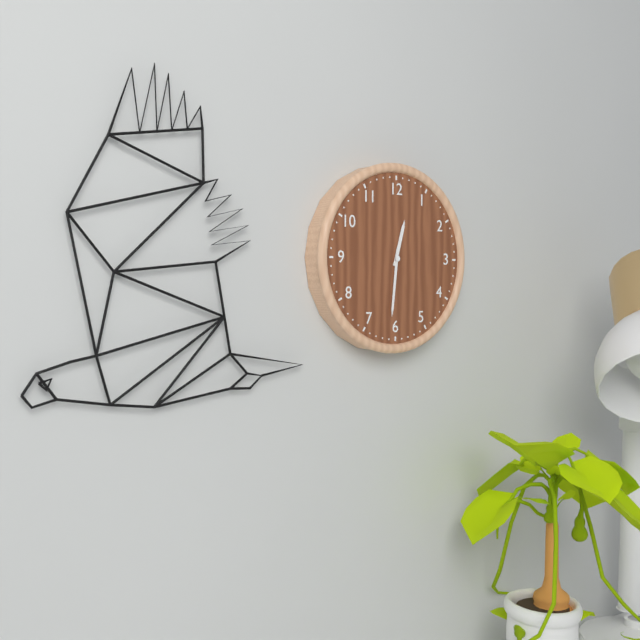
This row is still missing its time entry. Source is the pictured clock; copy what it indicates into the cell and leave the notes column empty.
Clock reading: 12:31
